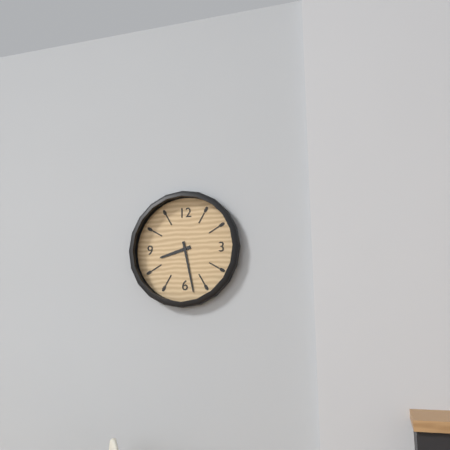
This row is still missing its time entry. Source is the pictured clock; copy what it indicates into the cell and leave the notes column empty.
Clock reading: 8:28
